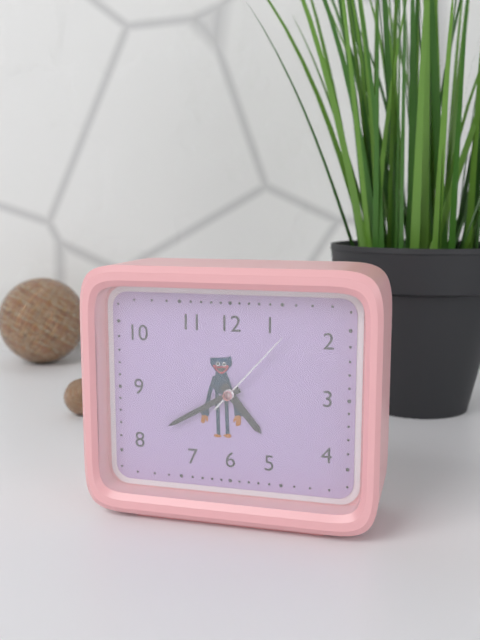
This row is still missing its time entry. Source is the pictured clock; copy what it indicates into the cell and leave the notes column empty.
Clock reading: 4:40:07
